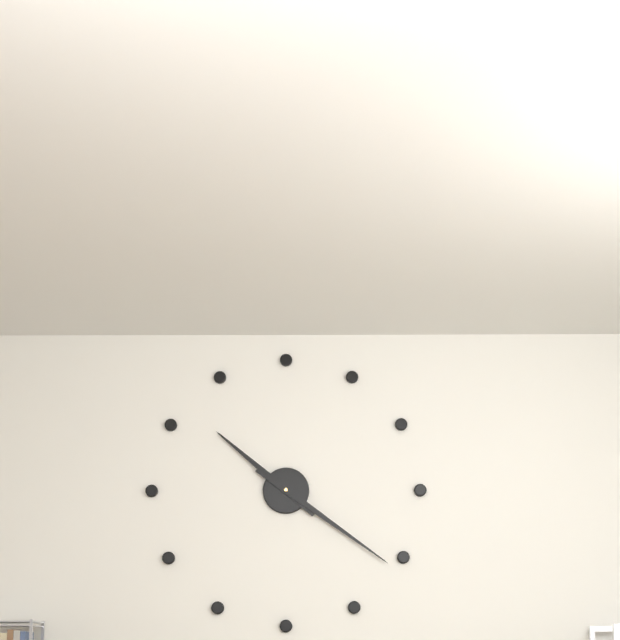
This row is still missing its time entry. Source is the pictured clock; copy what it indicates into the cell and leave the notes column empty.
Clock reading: 10:21
